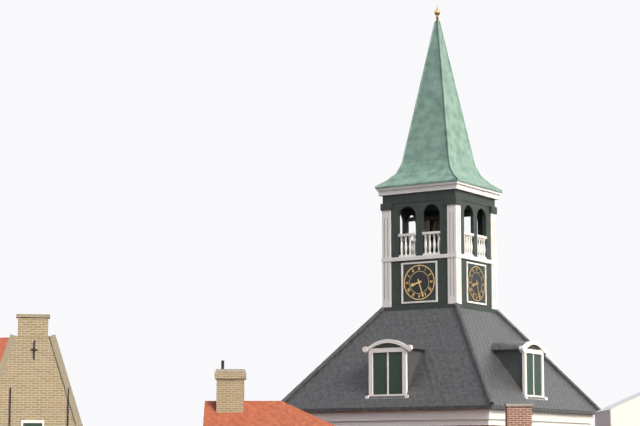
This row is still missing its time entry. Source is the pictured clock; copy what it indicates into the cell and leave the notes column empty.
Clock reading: 8:27
